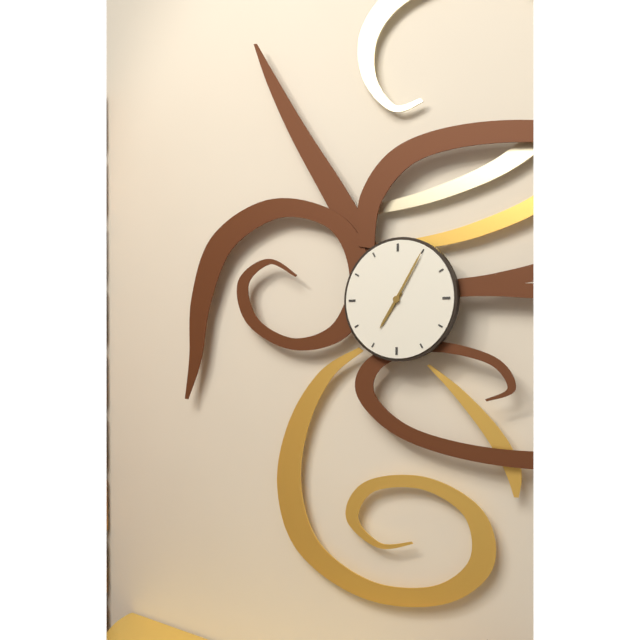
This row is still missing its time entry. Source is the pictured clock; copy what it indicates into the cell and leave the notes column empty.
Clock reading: 7:05
